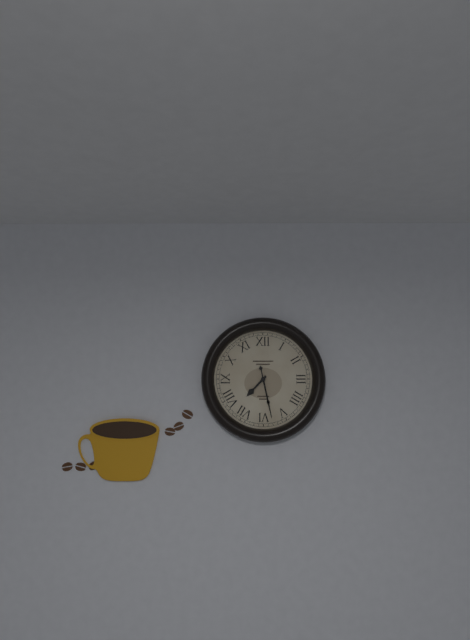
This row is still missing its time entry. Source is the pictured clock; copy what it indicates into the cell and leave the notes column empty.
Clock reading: 7:28
